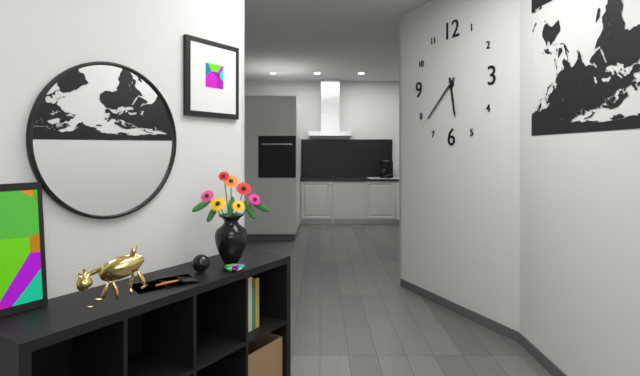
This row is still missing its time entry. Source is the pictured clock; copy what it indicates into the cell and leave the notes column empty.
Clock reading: 5:38
